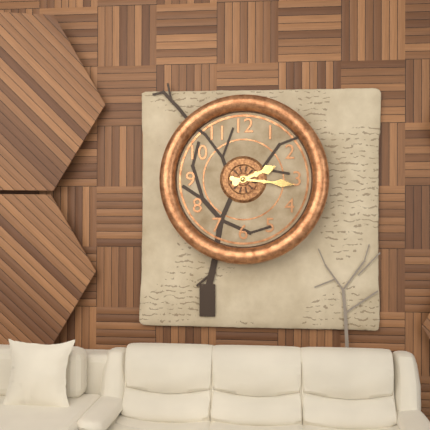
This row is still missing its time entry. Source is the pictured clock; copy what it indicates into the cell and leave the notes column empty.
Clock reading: 2:16
